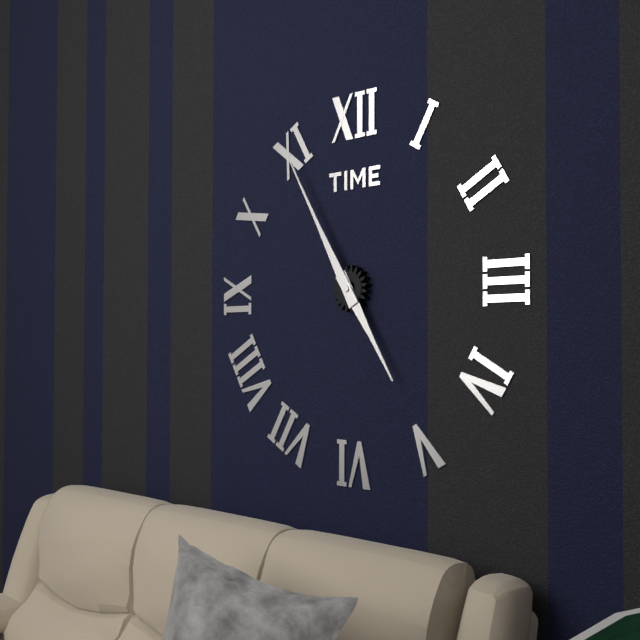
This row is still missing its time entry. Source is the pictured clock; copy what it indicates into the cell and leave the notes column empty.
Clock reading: 4:55
